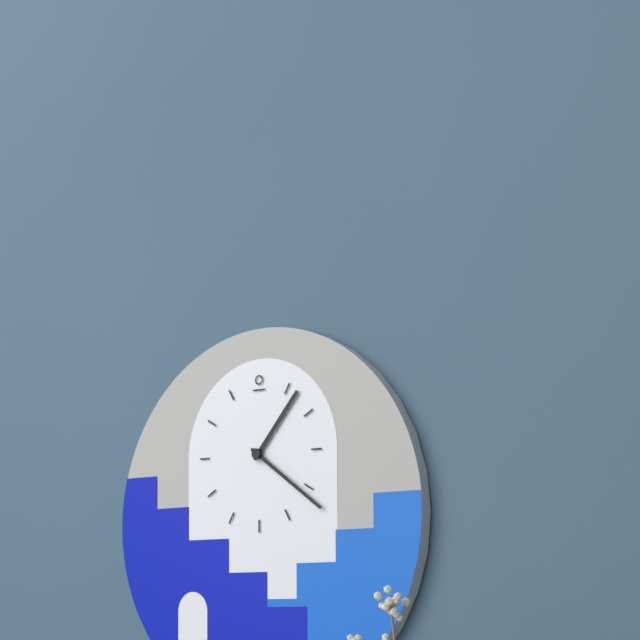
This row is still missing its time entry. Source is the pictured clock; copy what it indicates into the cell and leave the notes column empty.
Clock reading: 1:21
